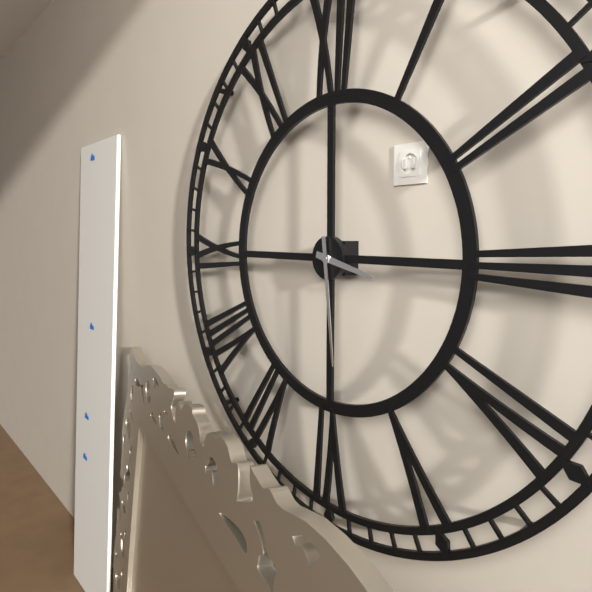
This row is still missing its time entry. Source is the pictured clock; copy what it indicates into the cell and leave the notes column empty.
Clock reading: 3:29
